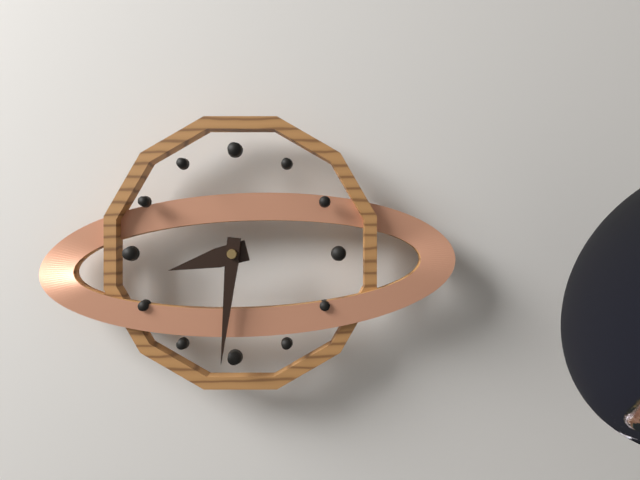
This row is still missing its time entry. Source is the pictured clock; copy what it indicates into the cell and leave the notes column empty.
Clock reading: 8:31
